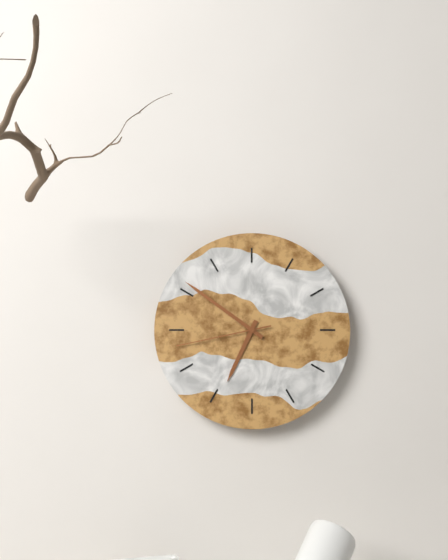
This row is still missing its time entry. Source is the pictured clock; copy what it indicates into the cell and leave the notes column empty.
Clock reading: 6:51:43
